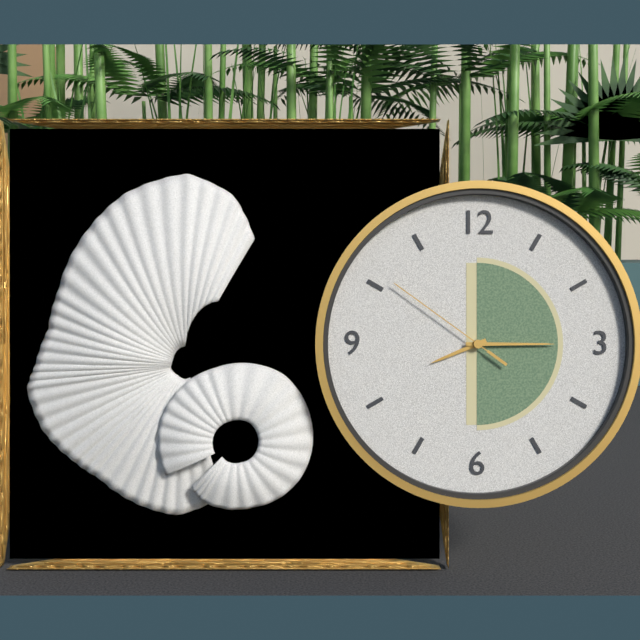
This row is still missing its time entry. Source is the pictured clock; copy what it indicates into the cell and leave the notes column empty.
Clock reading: 8:15:51
